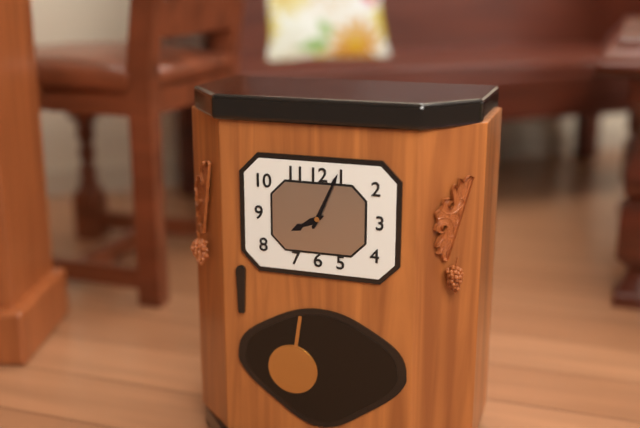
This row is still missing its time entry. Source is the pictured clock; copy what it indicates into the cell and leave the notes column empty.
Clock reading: 8:04
